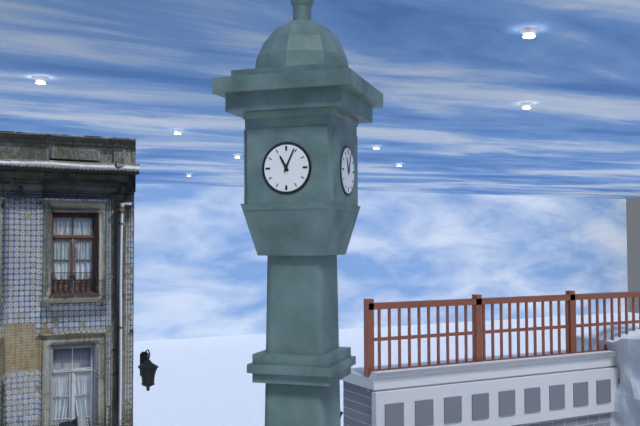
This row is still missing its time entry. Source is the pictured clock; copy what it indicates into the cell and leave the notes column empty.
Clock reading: 11:04
